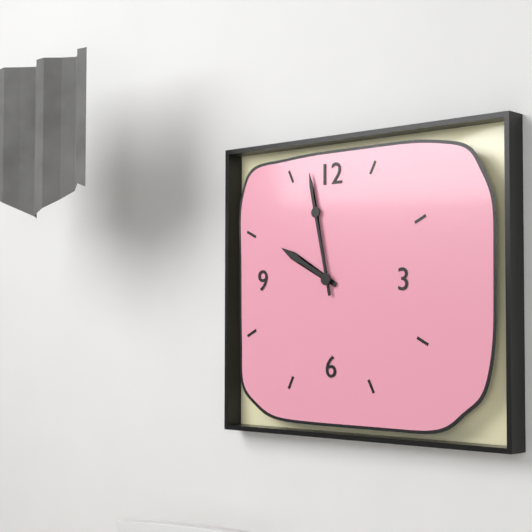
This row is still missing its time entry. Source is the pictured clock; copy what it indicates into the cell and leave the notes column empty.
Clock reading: 9:58
